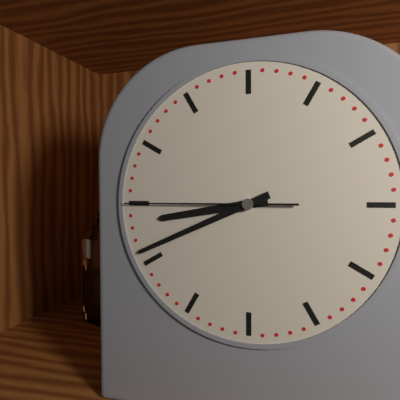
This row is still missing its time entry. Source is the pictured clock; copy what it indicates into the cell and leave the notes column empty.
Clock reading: 8:41:45
